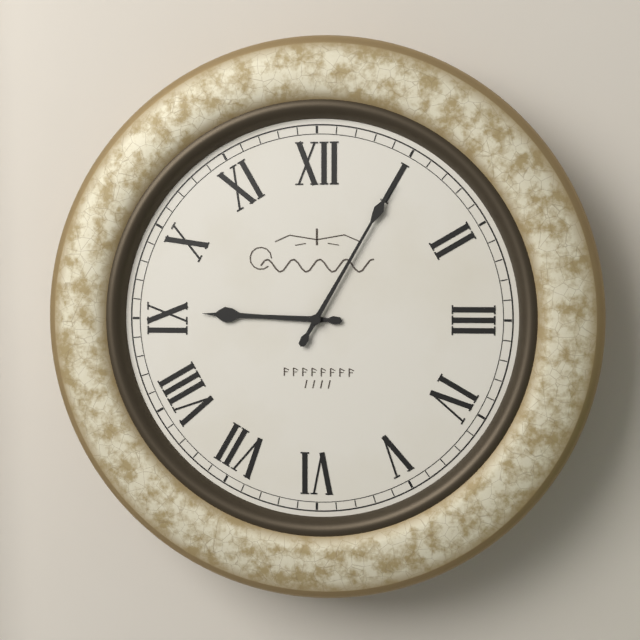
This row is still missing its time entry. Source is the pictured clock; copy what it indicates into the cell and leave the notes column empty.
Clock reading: 9:05
